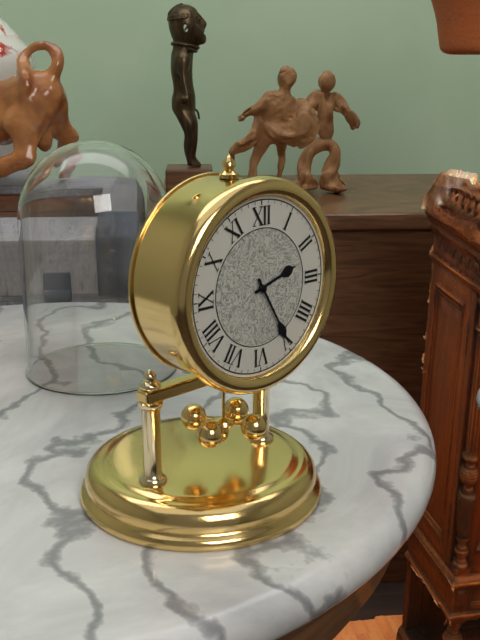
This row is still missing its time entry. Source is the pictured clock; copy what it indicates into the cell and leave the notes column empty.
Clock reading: 2:25
